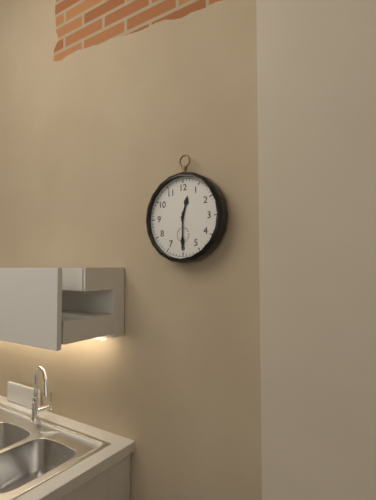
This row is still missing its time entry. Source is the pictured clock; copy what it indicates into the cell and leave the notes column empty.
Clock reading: 12:30
